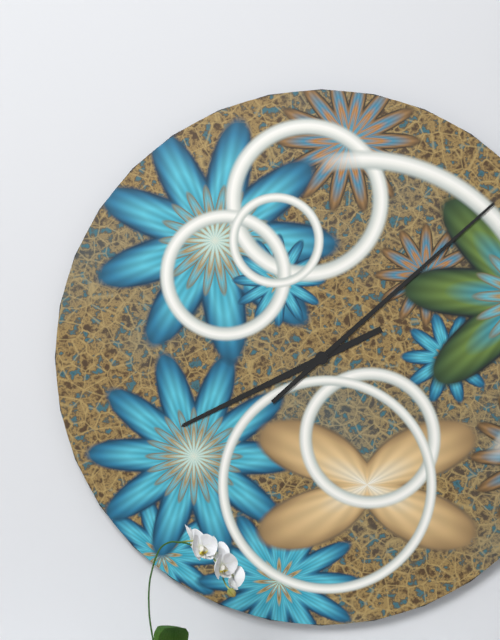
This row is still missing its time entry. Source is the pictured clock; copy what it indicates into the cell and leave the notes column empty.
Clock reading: 8:08
